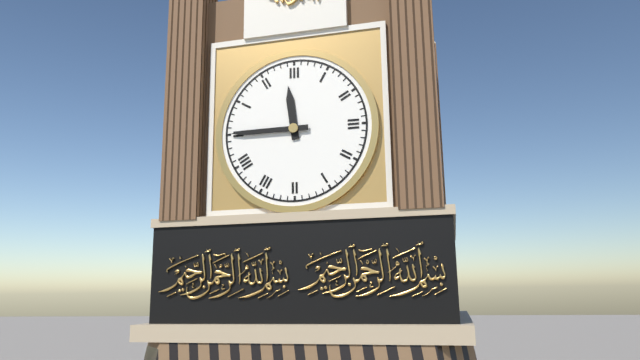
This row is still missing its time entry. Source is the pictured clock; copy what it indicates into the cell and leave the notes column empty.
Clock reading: 11:45
